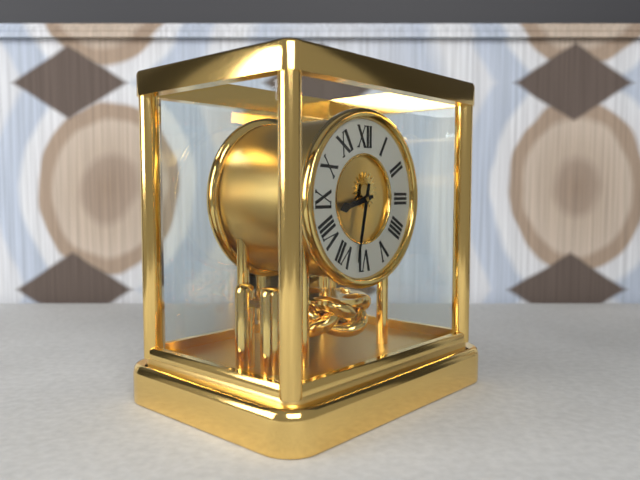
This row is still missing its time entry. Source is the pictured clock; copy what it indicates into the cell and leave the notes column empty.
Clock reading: 8:32
